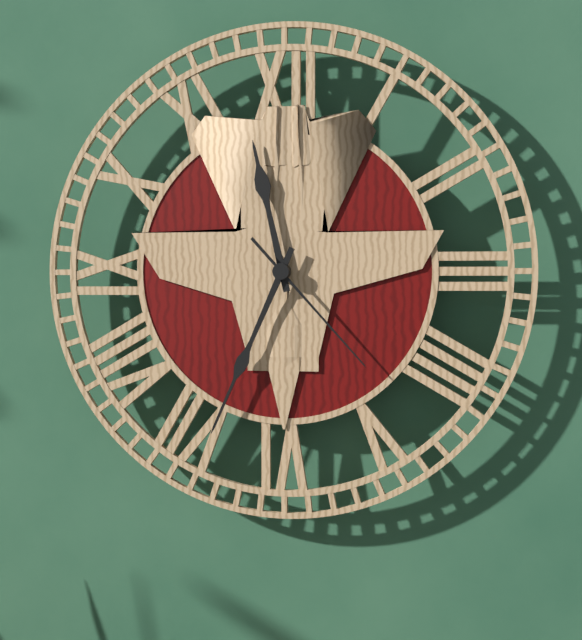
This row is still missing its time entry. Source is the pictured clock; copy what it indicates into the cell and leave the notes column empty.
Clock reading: 11:34:23
